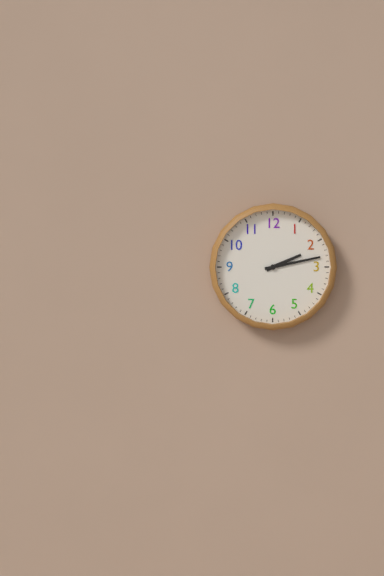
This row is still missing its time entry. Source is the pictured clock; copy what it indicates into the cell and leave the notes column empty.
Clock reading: 2:13
